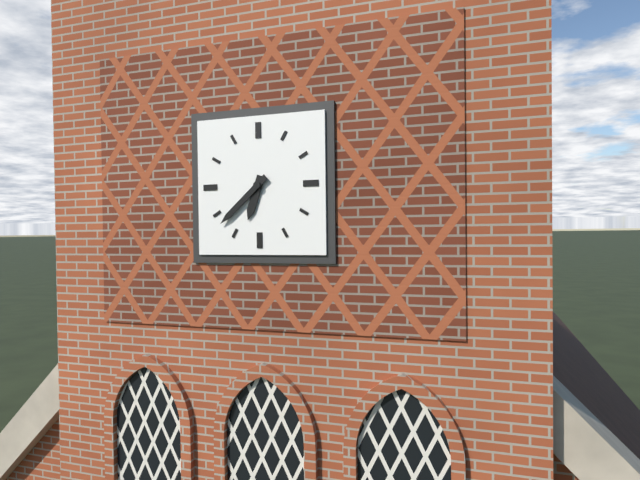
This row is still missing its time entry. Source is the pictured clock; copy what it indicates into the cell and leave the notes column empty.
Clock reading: 6:38
